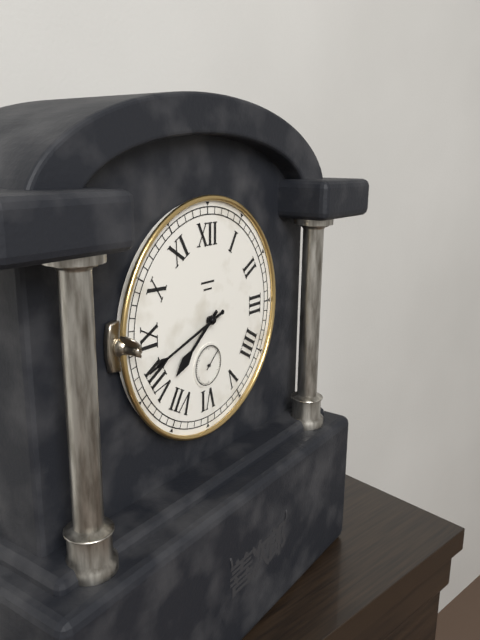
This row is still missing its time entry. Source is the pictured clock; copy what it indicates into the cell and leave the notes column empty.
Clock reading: 7:42
